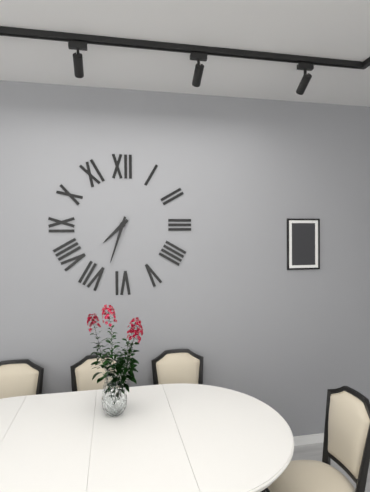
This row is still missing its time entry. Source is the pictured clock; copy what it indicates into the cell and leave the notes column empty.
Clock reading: 7:33
